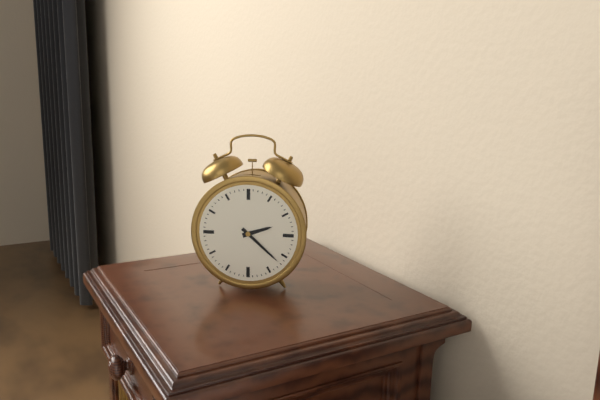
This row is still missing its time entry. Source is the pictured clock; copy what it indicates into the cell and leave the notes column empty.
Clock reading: 2:22
